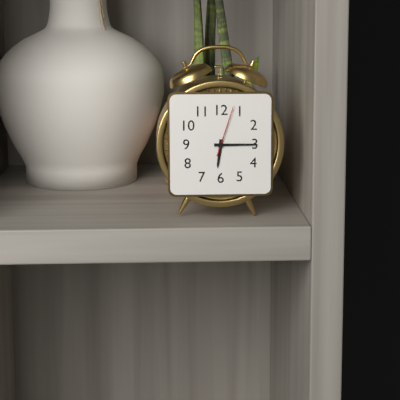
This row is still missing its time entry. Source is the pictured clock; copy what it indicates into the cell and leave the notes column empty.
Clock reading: 6:15:03
